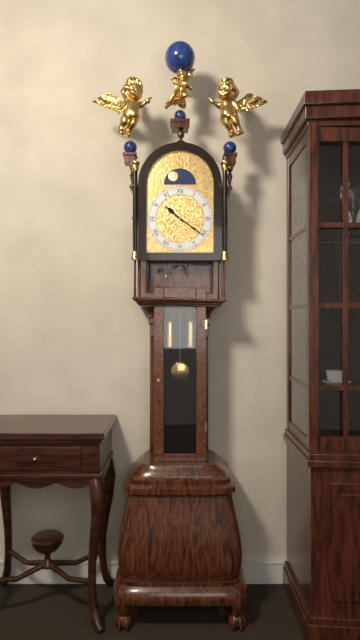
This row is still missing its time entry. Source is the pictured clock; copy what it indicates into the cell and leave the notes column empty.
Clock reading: 10:21
